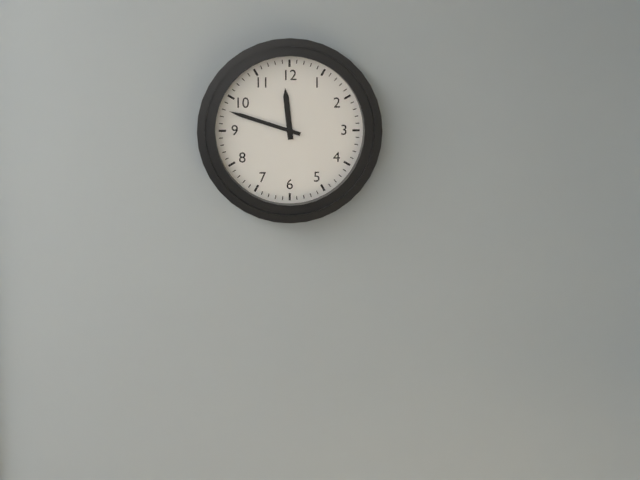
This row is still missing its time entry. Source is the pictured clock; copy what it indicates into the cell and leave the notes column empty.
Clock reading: 11:48
